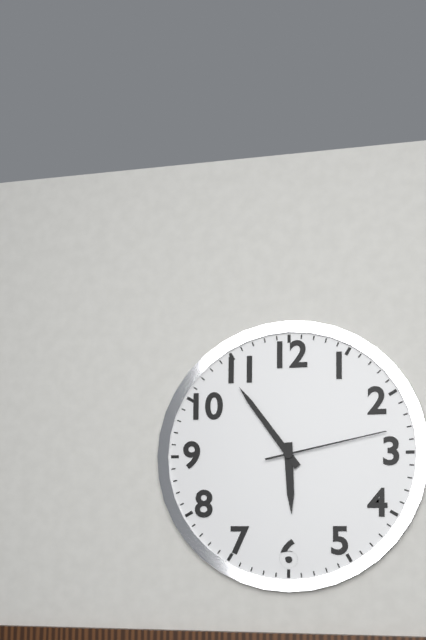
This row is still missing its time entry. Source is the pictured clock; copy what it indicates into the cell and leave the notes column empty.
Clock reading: 5:54:13
